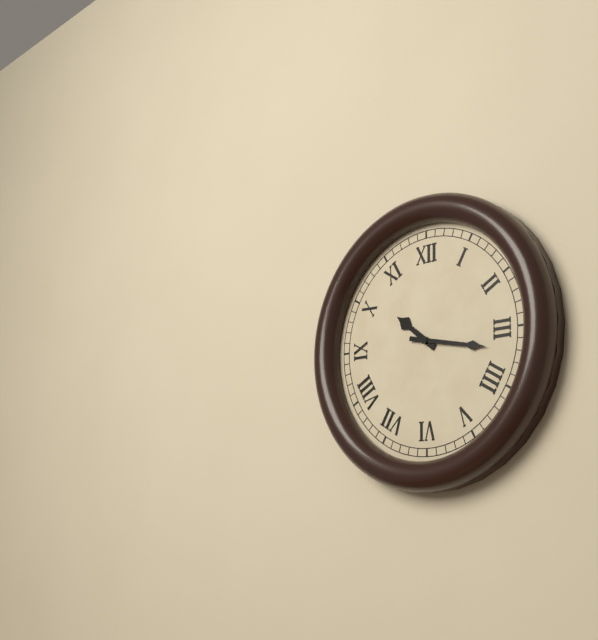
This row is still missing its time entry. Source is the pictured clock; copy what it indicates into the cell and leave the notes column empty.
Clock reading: 10:17
